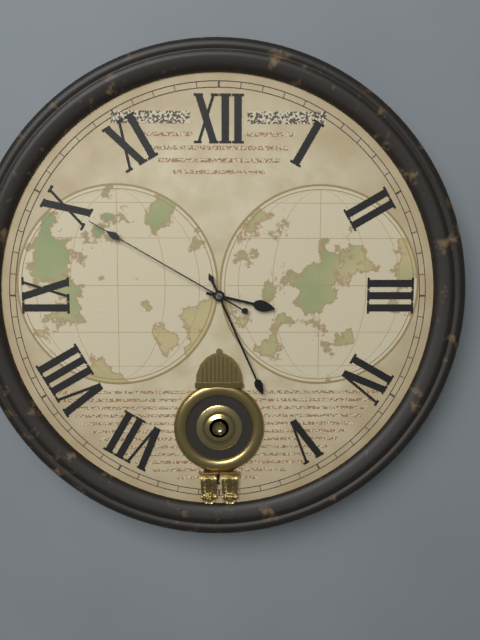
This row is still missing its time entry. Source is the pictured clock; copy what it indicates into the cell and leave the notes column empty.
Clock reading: 3:26:50
